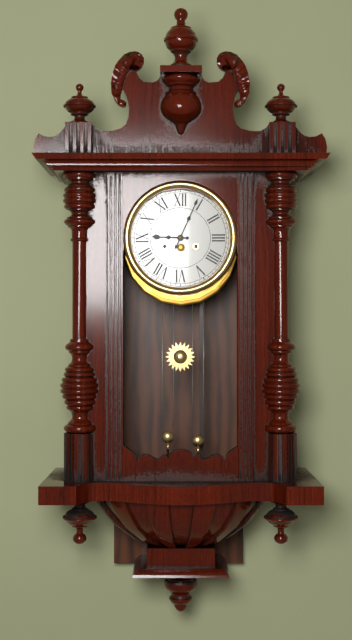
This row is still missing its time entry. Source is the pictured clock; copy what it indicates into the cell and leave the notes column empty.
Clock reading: 9:04
